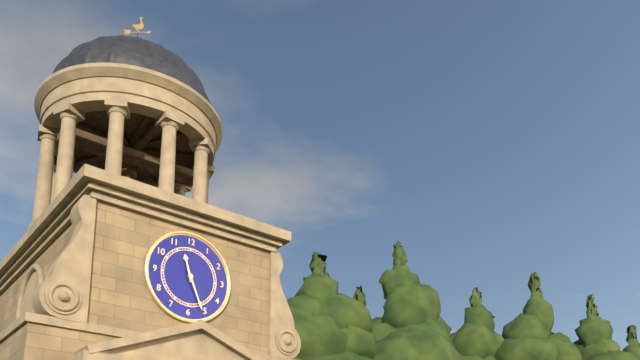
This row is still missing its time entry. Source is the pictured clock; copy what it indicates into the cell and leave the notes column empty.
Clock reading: 11:26
